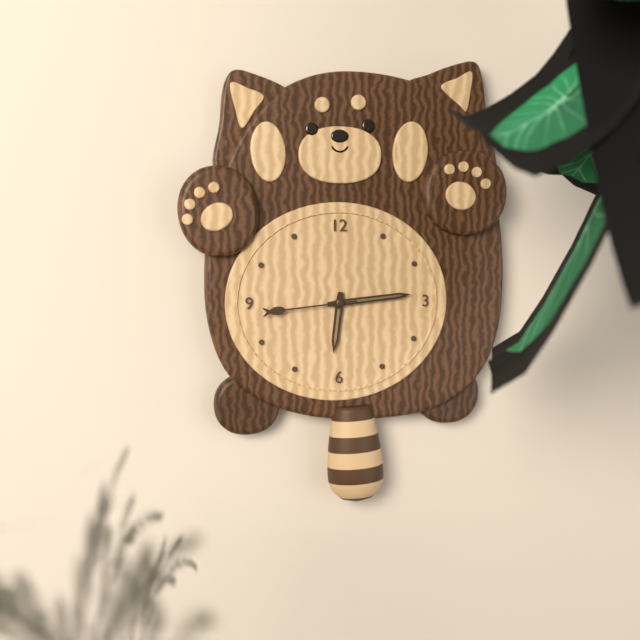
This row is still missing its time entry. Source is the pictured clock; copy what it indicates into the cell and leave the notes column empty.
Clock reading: 6:14:44
